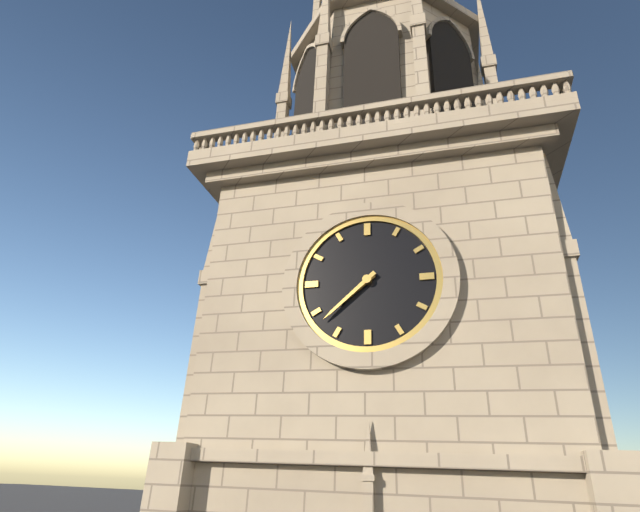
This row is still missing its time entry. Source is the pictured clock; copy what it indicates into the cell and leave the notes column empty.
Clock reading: 7:38
